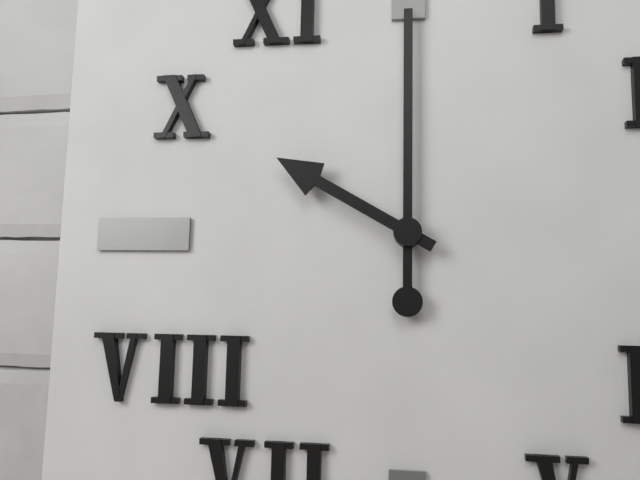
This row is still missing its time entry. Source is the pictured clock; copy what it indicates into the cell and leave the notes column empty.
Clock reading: 10:00
